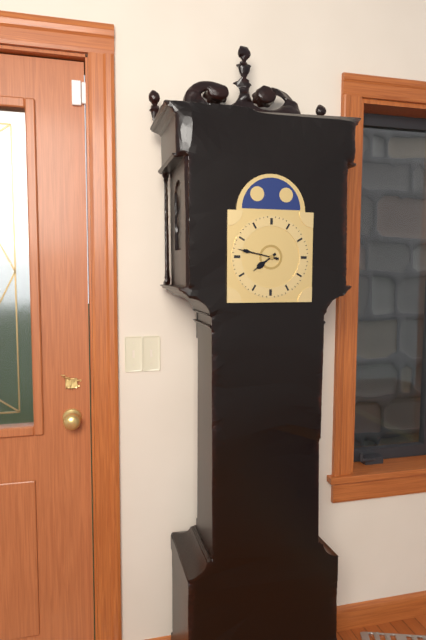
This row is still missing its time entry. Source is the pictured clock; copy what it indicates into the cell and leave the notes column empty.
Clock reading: 7:47
